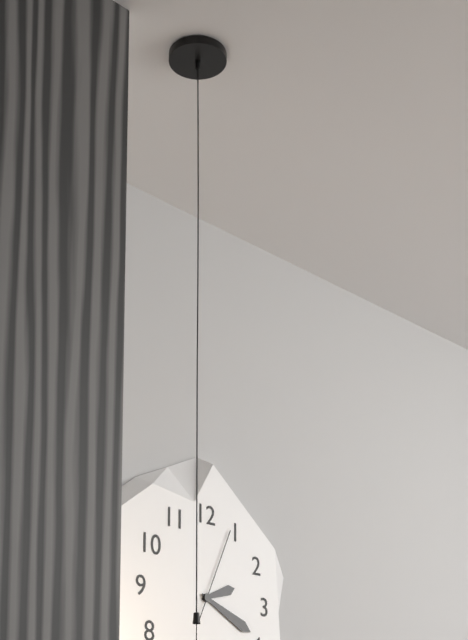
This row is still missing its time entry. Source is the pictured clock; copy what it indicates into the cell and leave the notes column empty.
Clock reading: 2:19:04
